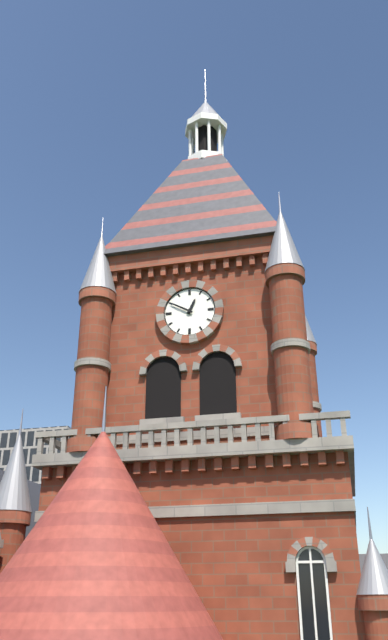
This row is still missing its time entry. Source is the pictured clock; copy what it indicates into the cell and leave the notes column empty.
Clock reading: 12:50
